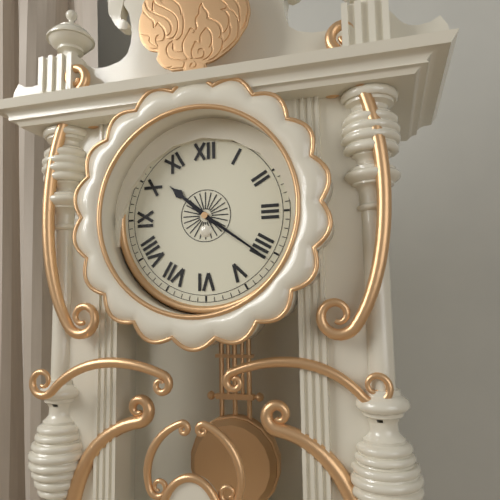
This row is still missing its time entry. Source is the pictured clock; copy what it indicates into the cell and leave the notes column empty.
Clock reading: 10:21
